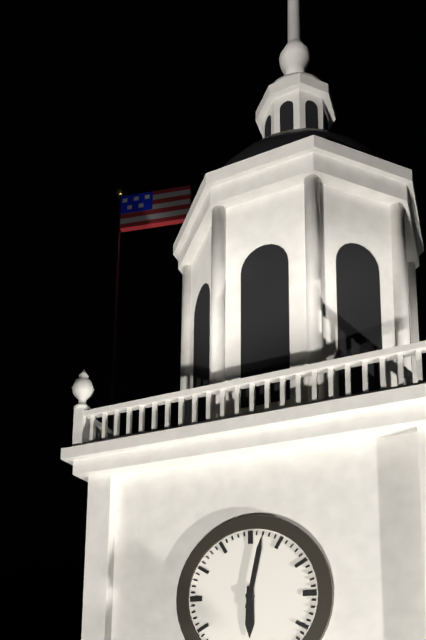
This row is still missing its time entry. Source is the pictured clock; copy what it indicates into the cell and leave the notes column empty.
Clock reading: 6:02
